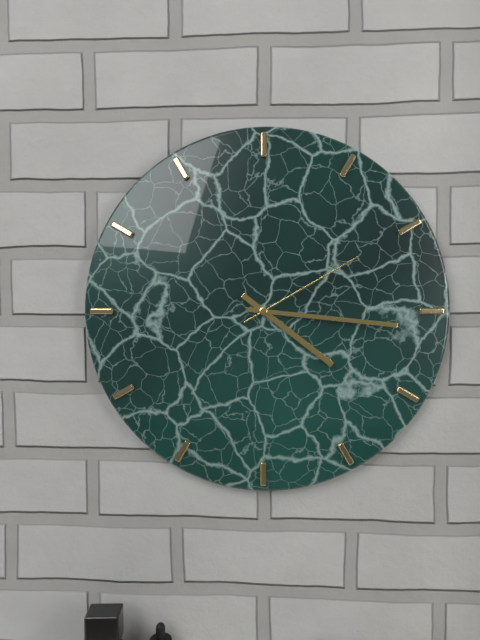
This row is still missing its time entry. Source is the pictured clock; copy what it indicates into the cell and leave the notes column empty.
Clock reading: 4:16:10
